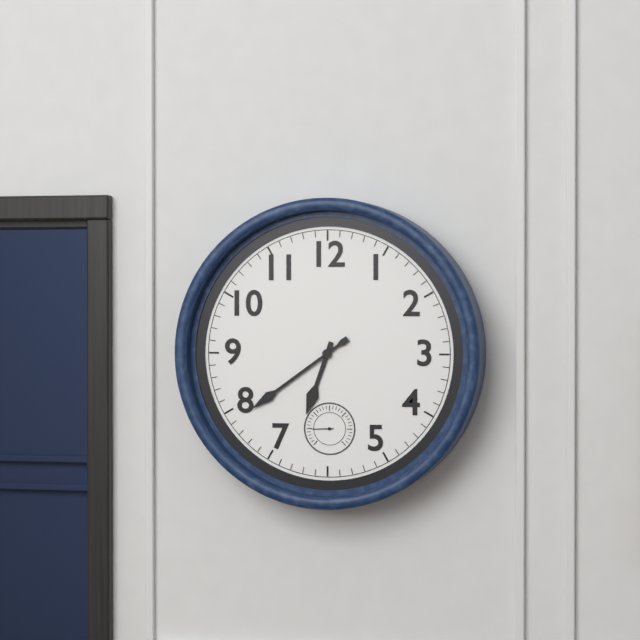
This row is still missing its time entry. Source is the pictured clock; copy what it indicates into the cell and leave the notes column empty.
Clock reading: 6:39
